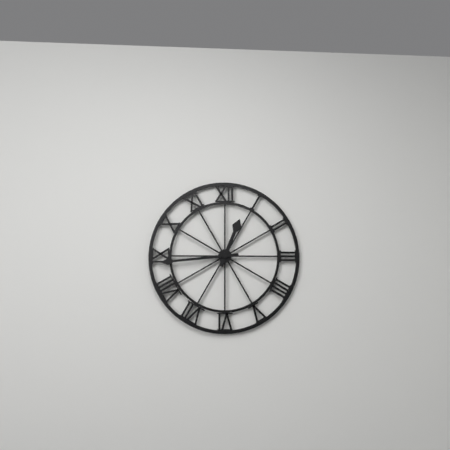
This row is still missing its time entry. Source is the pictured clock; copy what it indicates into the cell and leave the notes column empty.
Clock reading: 12:44
